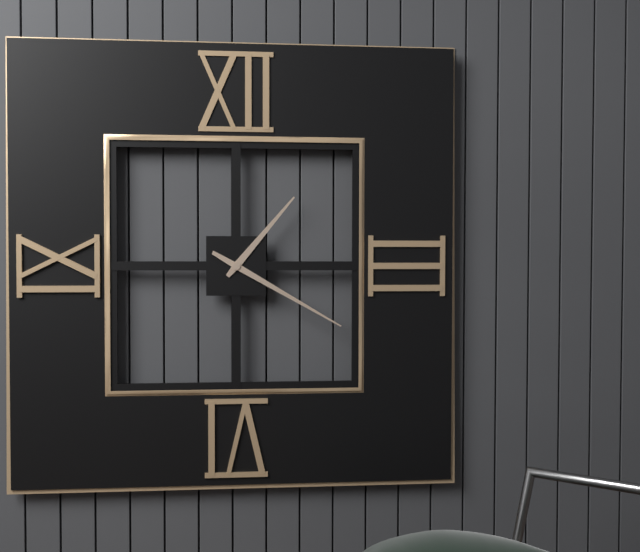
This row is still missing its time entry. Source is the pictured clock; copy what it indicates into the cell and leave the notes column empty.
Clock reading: 1:20
